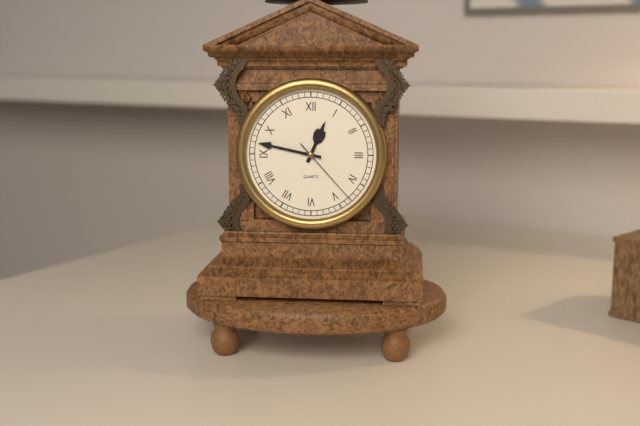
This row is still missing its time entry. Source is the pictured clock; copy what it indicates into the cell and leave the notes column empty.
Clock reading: 12:47:23
